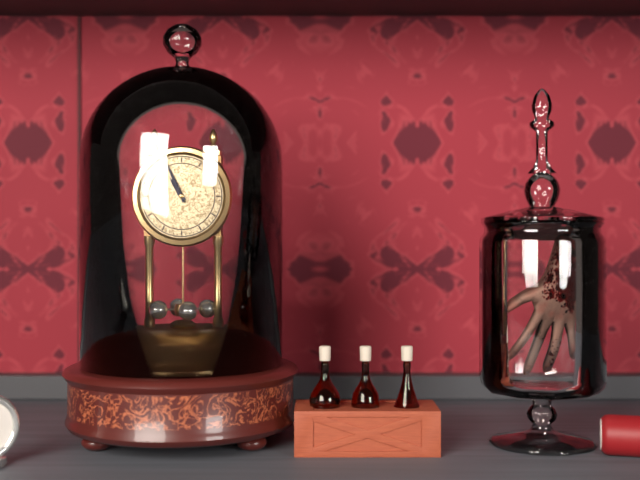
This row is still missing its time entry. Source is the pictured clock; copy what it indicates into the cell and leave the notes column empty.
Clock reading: 10:56
